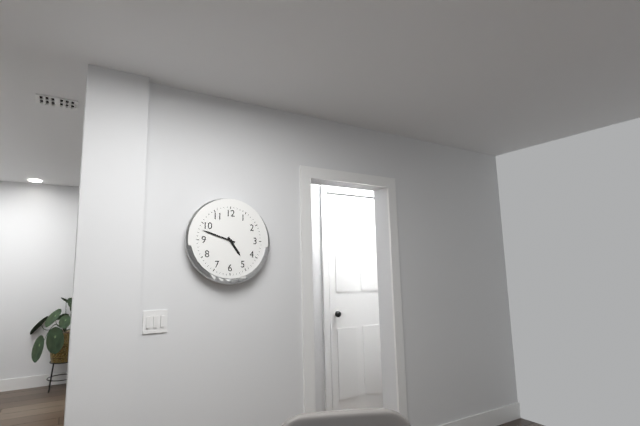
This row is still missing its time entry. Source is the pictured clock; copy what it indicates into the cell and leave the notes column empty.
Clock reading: 4:48
